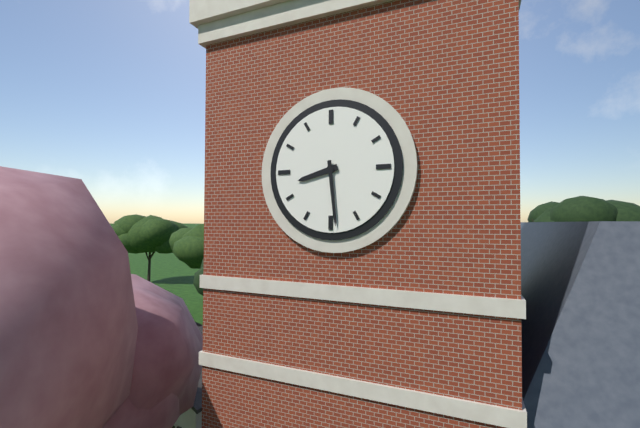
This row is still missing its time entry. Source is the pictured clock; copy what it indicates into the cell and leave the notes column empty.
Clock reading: 8:29
